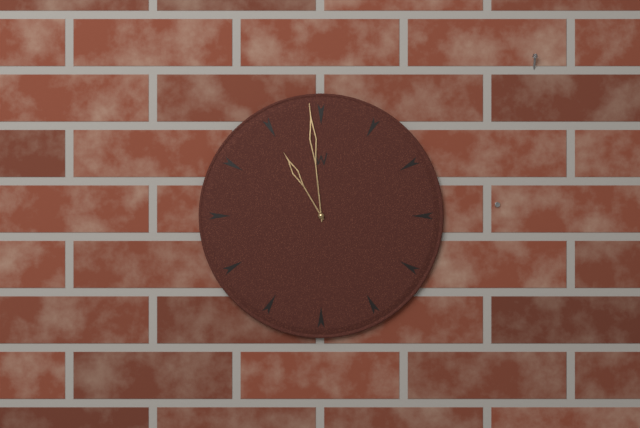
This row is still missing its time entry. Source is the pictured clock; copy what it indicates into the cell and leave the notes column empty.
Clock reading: 10:59
